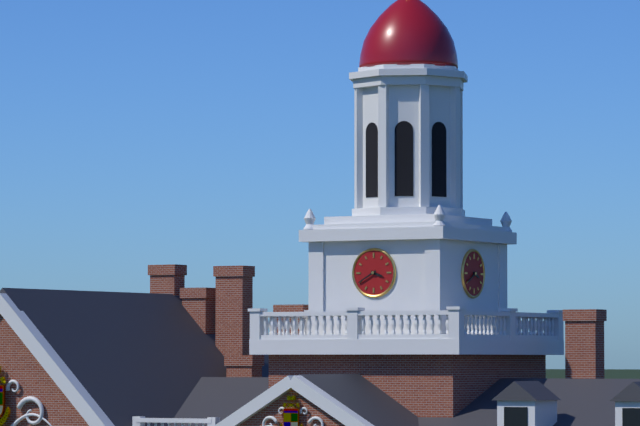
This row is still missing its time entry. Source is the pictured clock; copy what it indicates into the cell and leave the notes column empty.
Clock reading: 3:40
